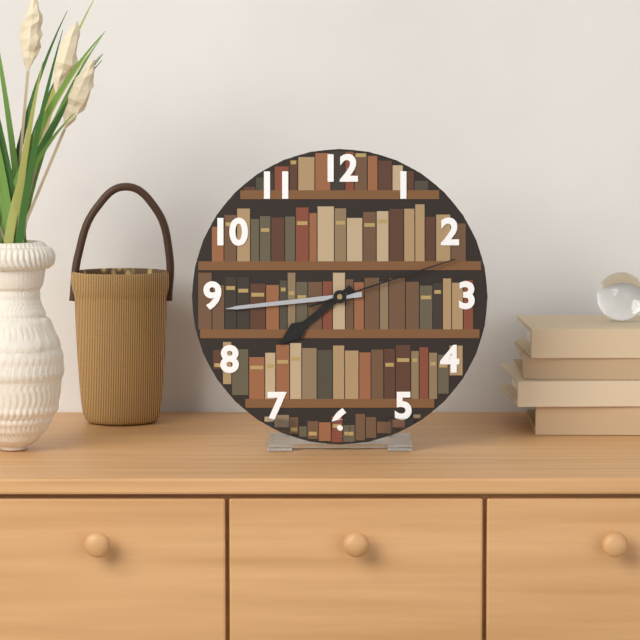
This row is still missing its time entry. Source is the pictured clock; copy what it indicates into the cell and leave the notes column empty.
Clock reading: 7:44:12
